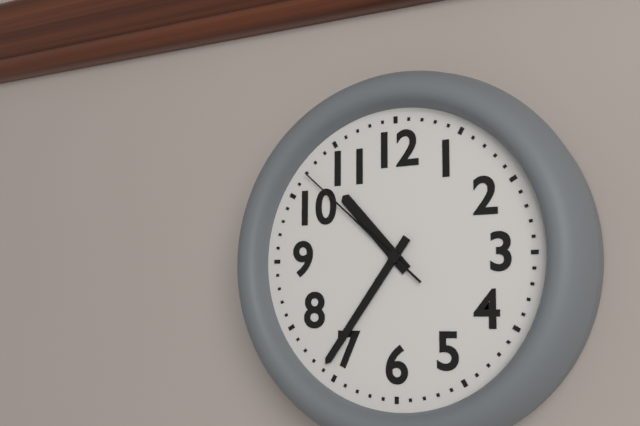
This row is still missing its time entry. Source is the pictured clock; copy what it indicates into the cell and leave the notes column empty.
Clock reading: 10:36:52
